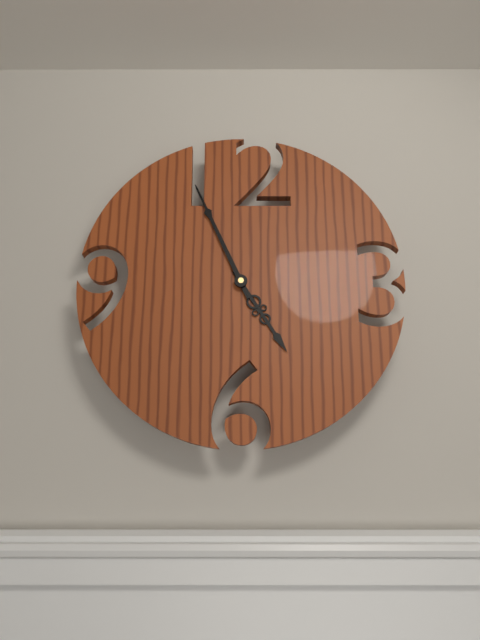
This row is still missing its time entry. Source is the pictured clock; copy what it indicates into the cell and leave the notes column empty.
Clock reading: 4:56
